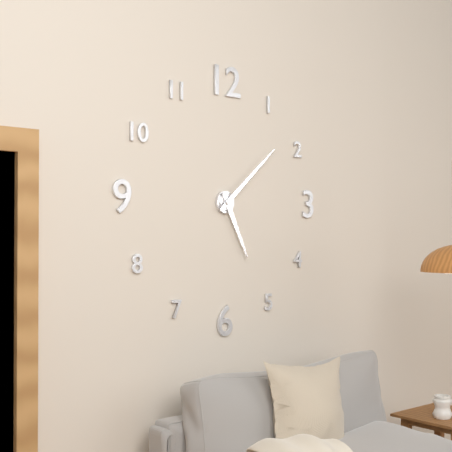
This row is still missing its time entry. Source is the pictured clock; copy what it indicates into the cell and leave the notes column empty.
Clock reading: 5:08
